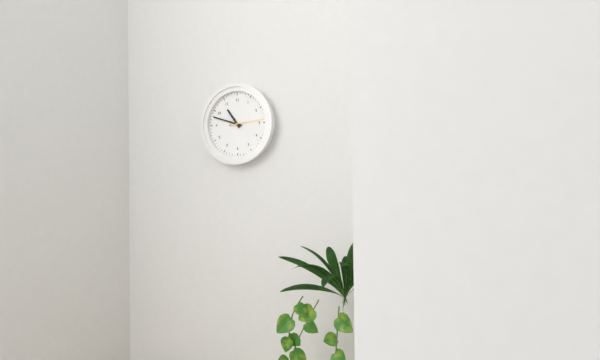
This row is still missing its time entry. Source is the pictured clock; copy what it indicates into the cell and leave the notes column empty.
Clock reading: 10:48
